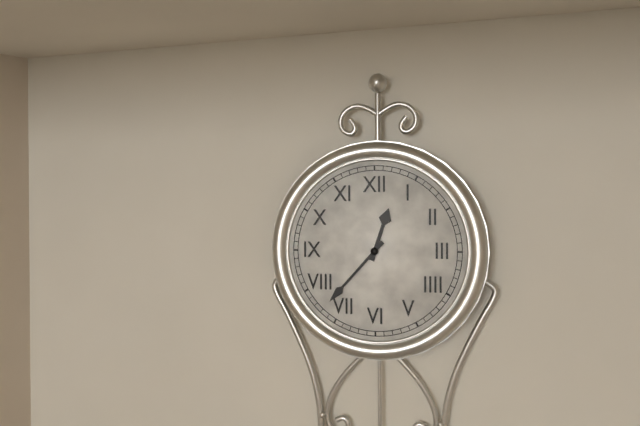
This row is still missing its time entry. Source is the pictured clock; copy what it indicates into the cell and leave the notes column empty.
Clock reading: 12:37
